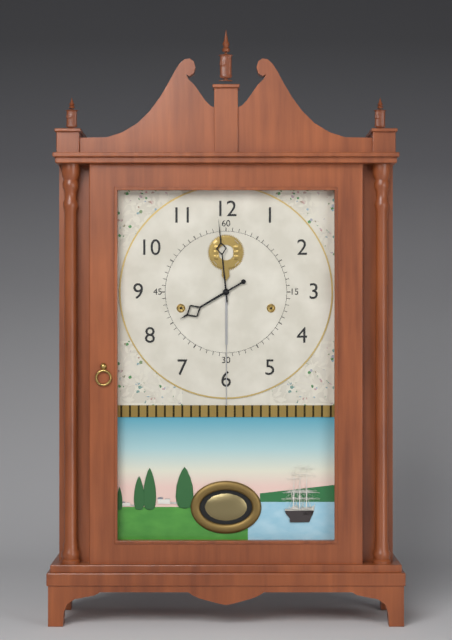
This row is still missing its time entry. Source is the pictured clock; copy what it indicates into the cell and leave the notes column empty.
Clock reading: 7:59
